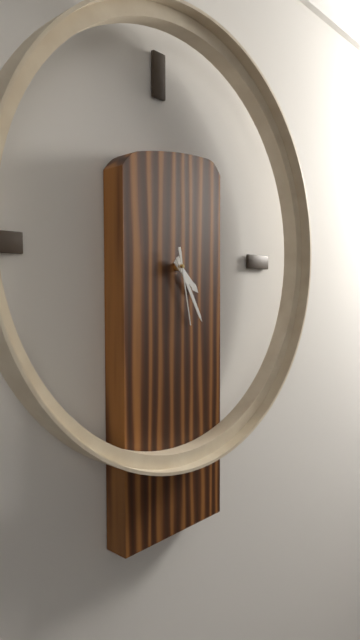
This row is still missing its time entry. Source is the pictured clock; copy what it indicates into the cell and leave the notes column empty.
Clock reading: 4:25:28
